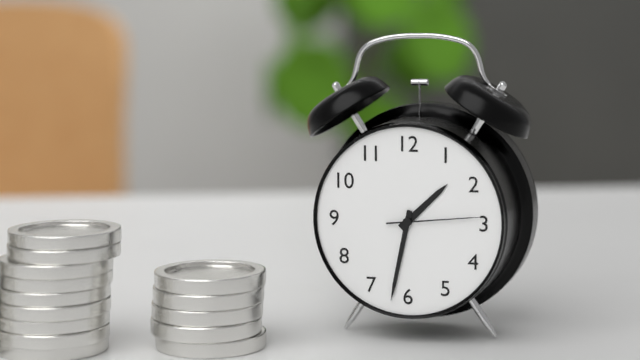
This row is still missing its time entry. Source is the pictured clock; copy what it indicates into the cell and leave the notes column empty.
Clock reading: 1:32:14
